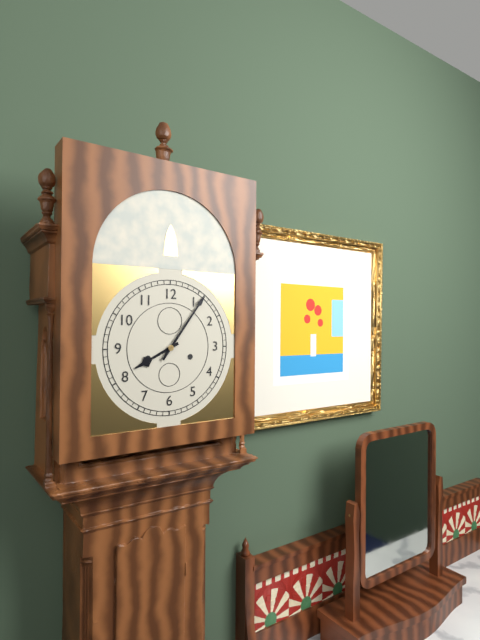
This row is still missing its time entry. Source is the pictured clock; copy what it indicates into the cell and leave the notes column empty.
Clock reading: 8:06
